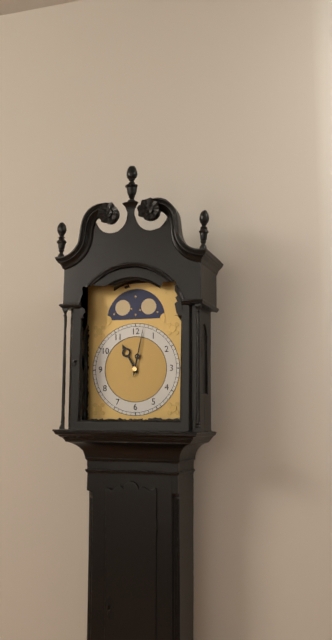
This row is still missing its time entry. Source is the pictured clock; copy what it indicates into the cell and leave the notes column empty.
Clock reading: 11:02
